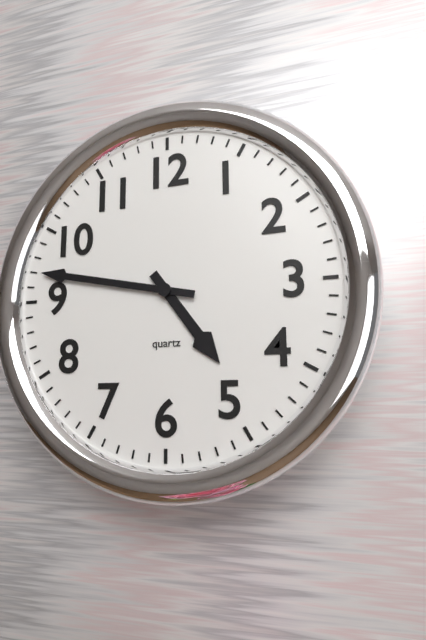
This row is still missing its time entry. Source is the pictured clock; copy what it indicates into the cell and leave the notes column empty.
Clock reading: 4:47
